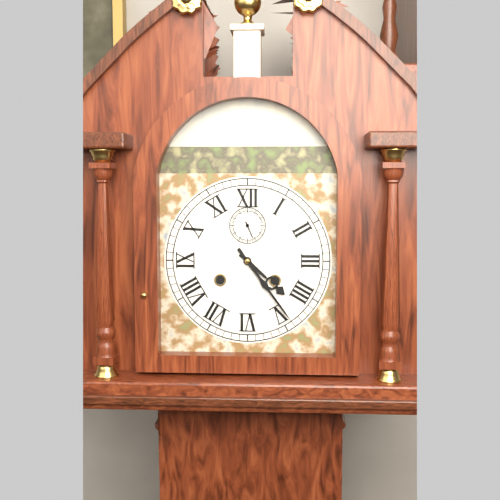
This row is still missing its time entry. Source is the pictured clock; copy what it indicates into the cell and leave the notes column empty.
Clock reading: 4:24
